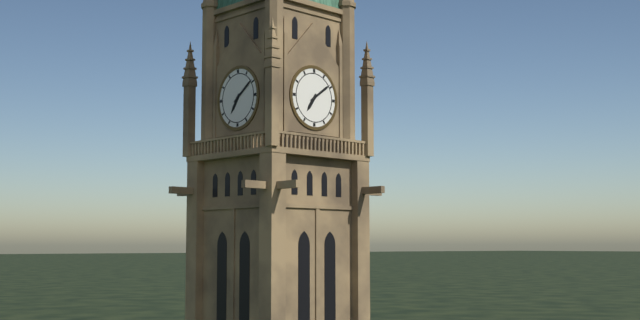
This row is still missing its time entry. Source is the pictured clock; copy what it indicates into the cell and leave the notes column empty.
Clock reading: 7:09
